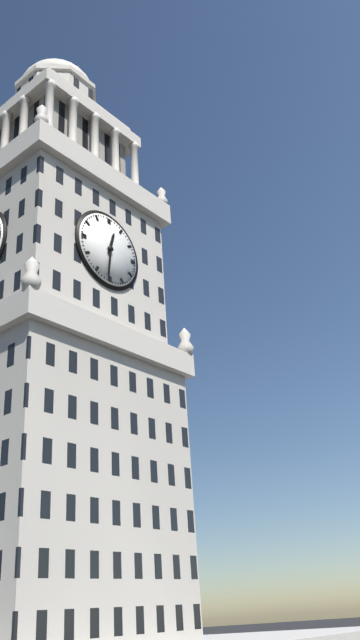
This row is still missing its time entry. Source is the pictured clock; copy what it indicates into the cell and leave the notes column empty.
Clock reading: 12:31
